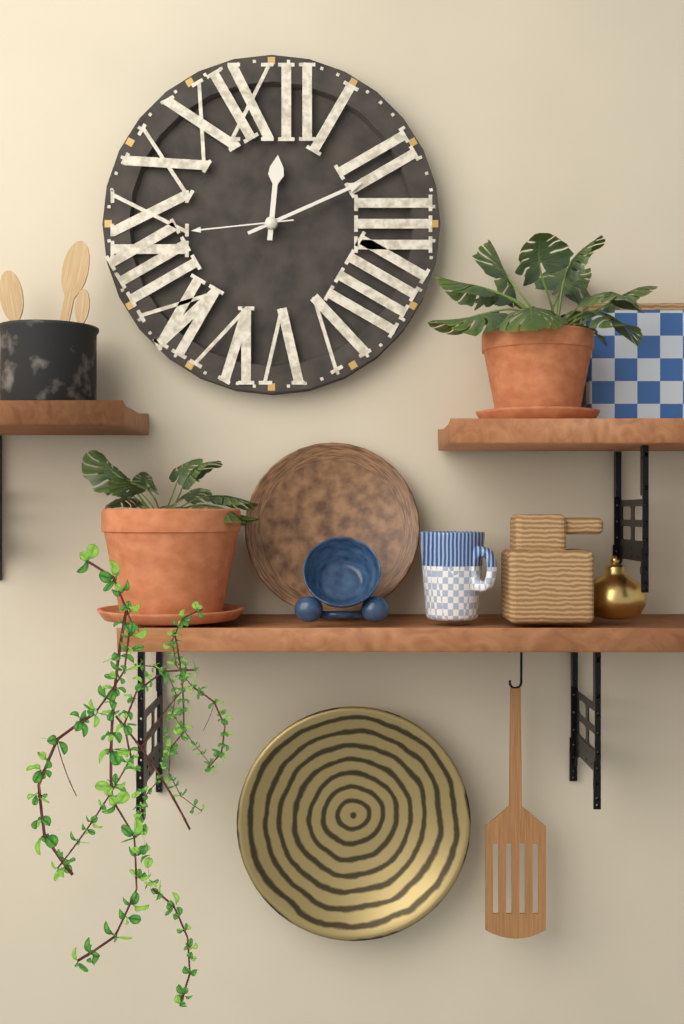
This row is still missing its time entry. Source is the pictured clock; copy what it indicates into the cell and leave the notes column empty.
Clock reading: 12:11:44
